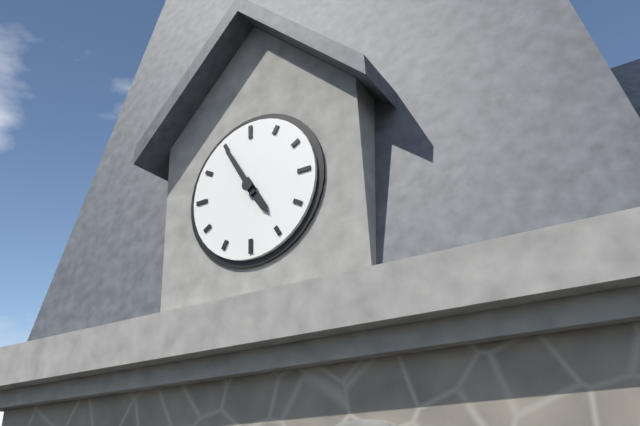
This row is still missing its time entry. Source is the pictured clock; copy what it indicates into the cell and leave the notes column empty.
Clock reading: 4:55
